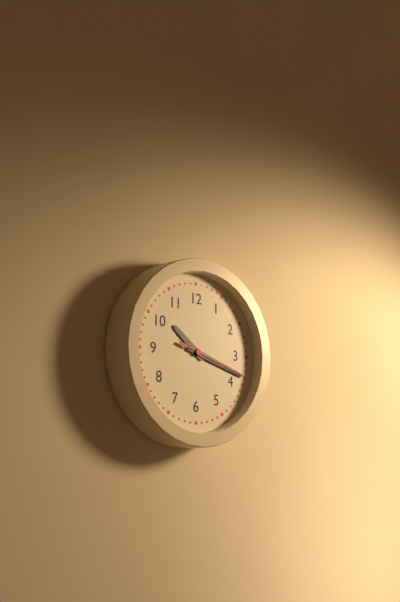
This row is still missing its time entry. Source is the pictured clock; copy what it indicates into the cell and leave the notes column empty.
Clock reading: 10:18:18
